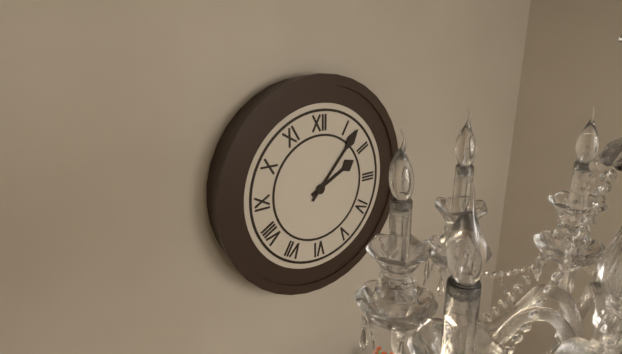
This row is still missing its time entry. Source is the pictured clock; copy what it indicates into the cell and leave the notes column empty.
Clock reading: 2:07
